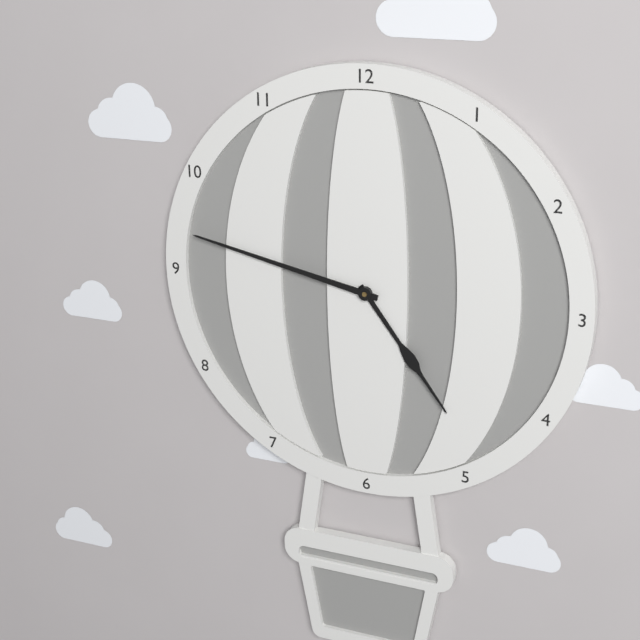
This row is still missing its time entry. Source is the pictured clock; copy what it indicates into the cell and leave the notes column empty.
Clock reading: 4:47
